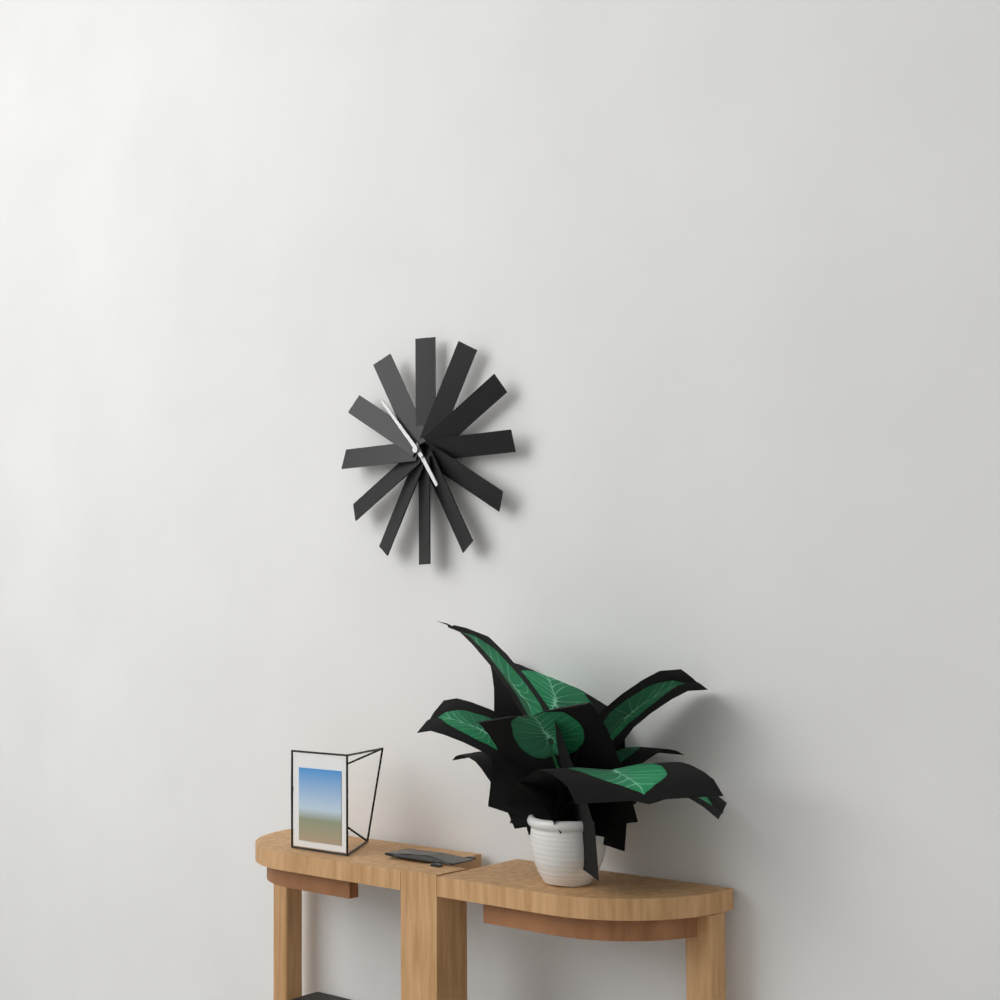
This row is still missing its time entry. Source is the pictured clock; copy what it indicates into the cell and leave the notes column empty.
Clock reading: 4:53
